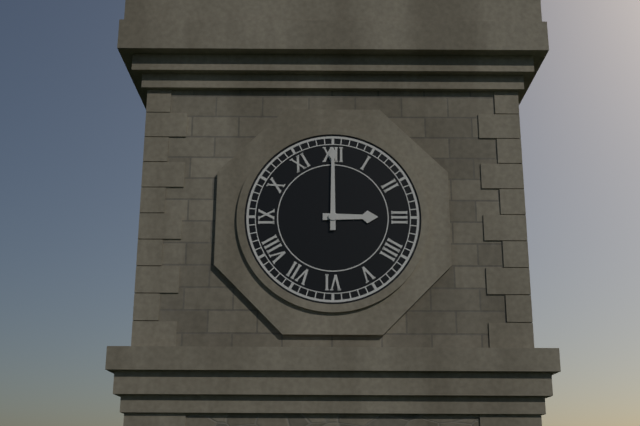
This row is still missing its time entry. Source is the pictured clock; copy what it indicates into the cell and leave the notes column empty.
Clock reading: 3:00
